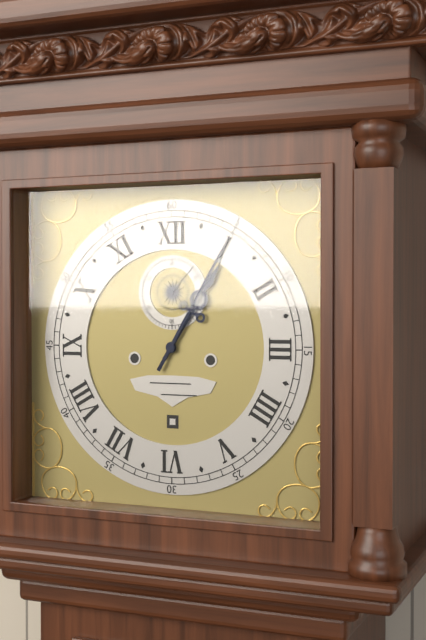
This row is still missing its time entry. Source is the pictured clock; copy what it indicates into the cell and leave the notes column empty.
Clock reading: 1:05
